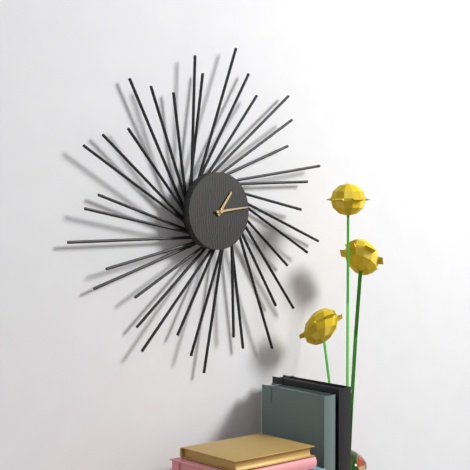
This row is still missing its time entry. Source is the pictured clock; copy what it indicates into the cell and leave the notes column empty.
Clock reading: 1:14
